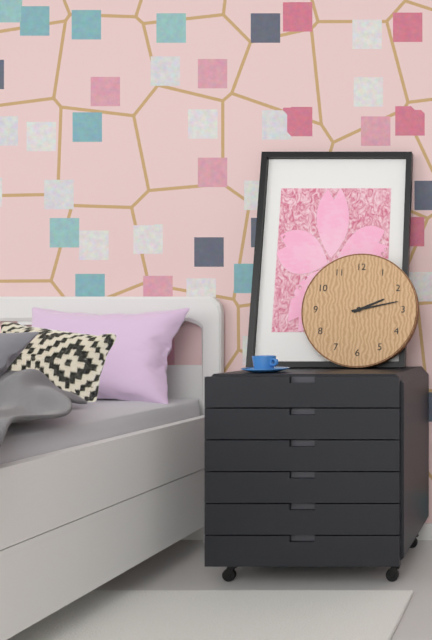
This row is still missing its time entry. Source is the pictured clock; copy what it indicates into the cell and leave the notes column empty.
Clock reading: 2:13
